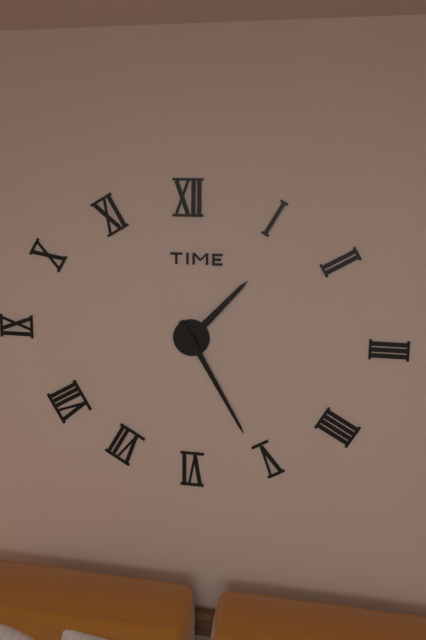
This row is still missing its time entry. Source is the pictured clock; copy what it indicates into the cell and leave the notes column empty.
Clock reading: 1:25
